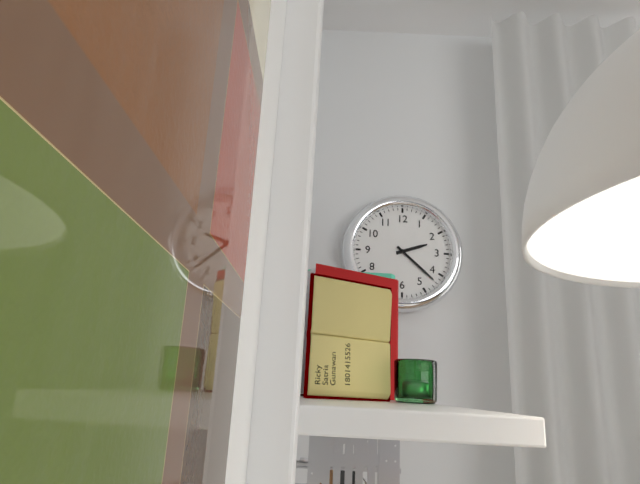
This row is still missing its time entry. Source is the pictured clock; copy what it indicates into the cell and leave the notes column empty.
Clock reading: 2:22
